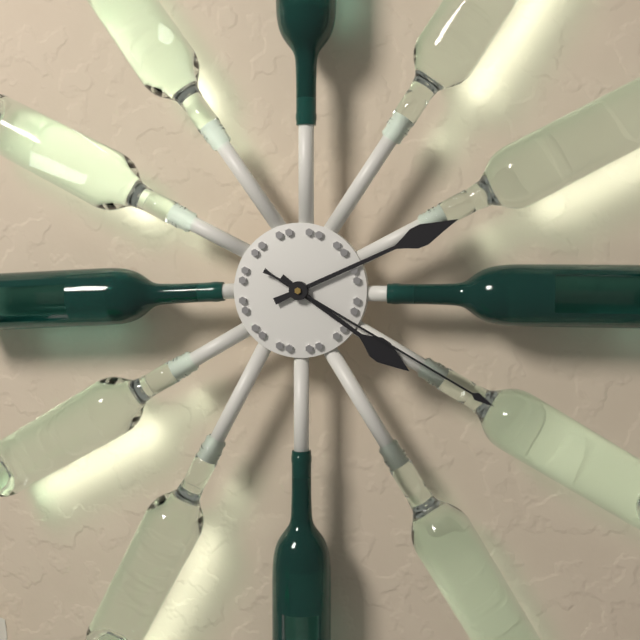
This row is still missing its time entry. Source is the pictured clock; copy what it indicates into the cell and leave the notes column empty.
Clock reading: 4:11:20
